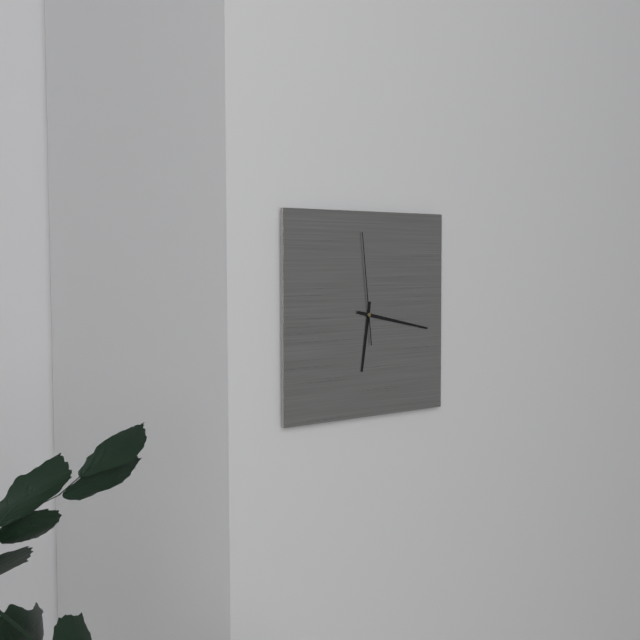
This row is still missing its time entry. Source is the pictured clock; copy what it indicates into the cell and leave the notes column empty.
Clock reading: 6:17:59
